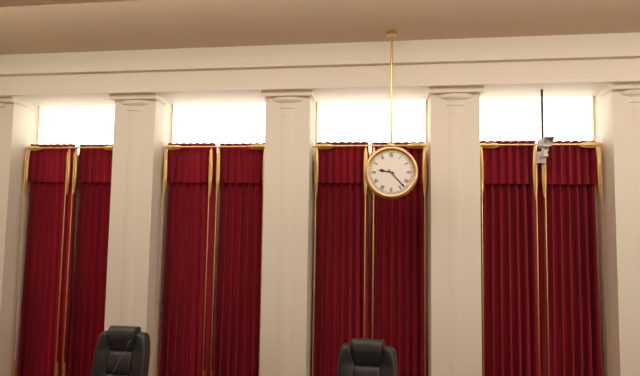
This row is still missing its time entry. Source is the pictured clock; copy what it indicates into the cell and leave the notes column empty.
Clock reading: 9:23
